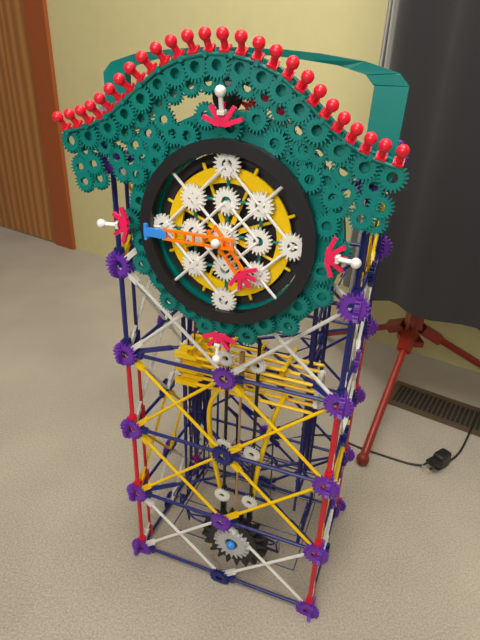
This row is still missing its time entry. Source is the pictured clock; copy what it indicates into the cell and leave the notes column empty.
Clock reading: 4:45
